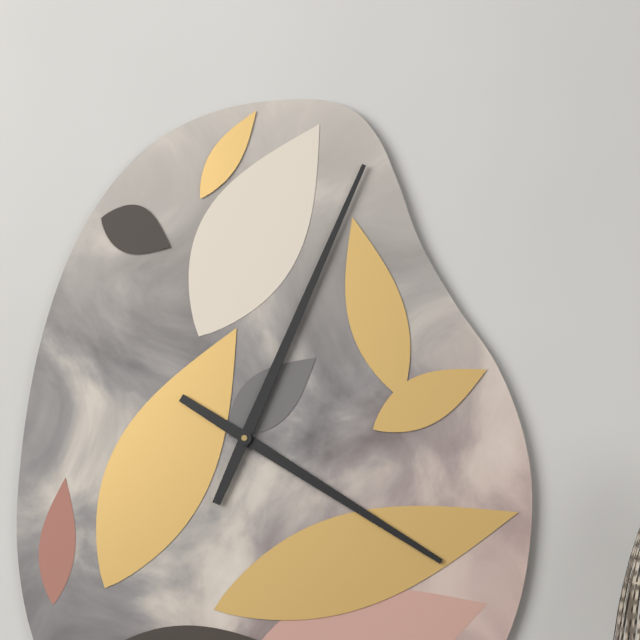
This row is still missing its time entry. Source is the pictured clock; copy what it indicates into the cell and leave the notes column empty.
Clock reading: 4:04
